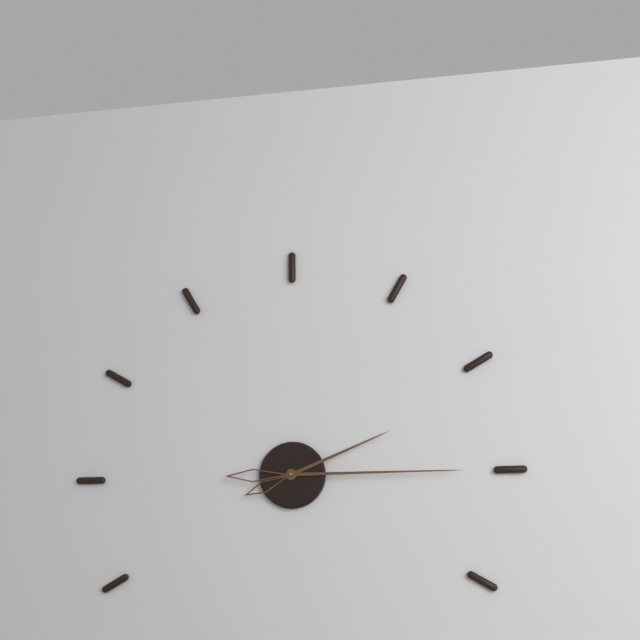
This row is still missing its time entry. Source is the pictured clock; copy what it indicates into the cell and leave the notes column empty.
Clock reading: 2:15
